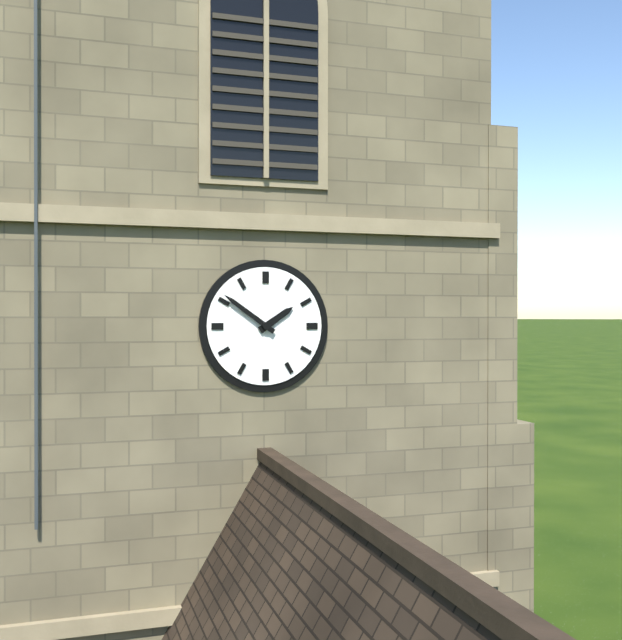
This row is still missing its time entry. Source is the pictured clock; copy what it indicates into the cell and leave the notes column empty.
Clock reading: 1:51
